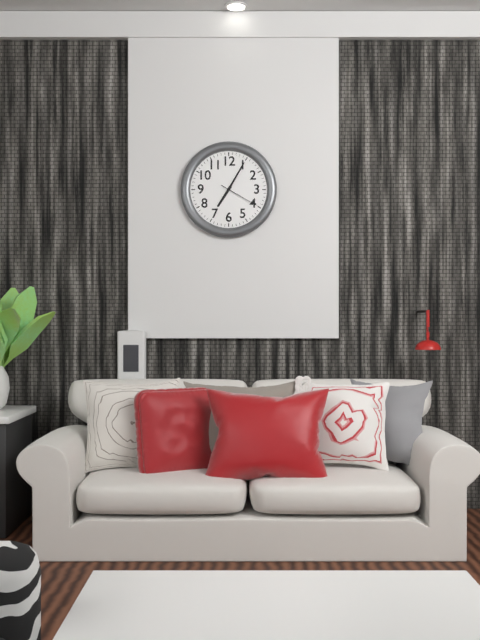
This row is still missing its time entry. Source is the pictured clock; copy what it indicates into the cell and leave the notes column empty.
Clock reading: 7:05
